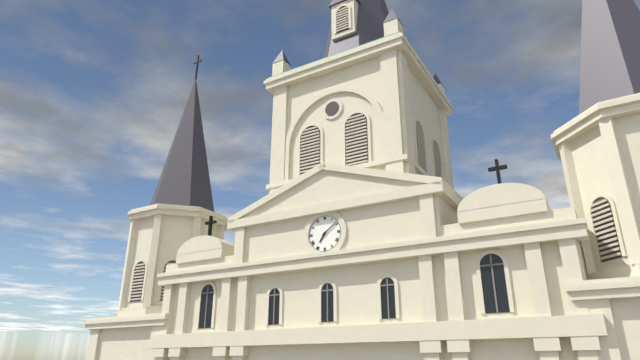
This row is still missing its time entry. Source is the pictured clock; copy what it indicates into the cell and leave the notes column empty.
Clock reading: 7:09
